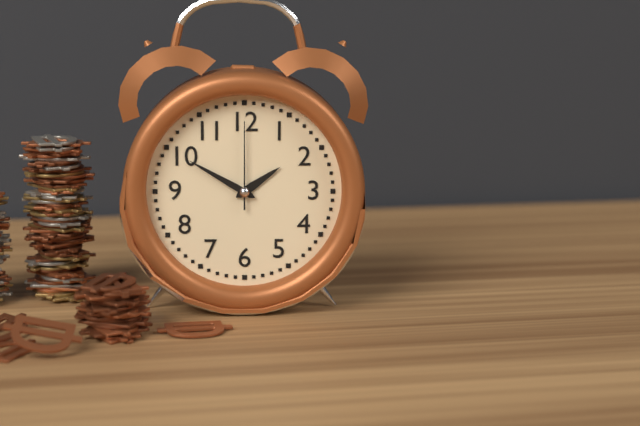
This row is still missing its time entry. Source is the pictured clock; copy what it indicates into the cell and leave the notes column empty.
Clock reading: 1:50:00
